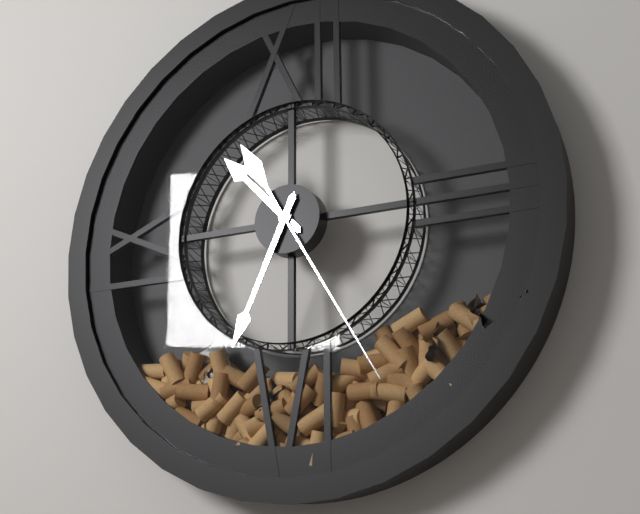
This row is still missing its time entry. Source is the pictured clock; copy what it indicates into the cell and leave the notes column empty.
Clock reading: 10:34:25
